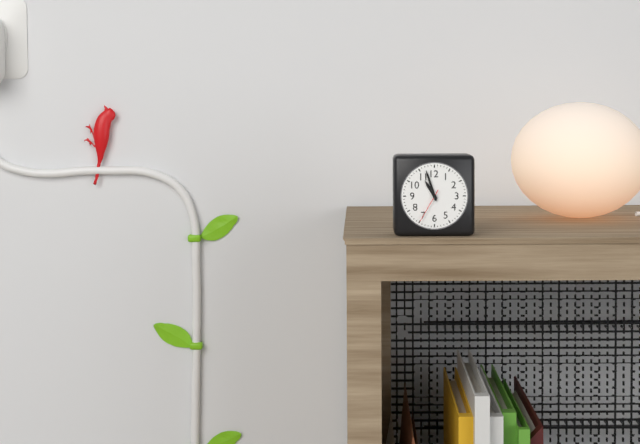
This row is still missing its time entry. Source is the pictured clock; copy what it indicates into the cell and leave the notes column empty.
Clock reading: 10:57
